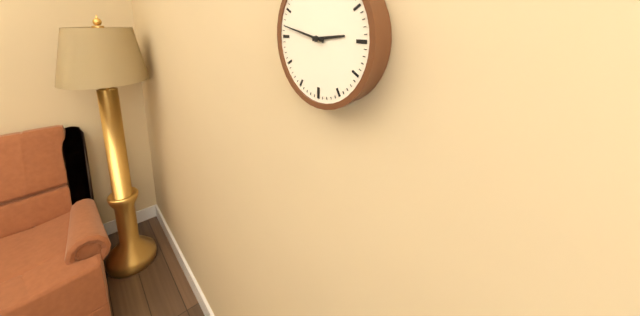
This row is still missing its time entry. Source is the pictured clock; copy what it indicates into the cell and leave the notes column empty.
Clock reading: 2:47
